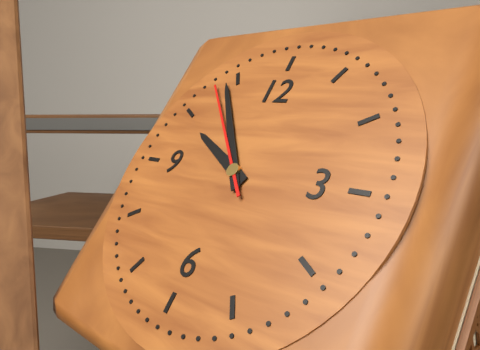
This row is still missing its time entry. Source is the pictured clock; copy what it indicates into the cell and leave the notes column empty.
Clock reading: 9:54:53
